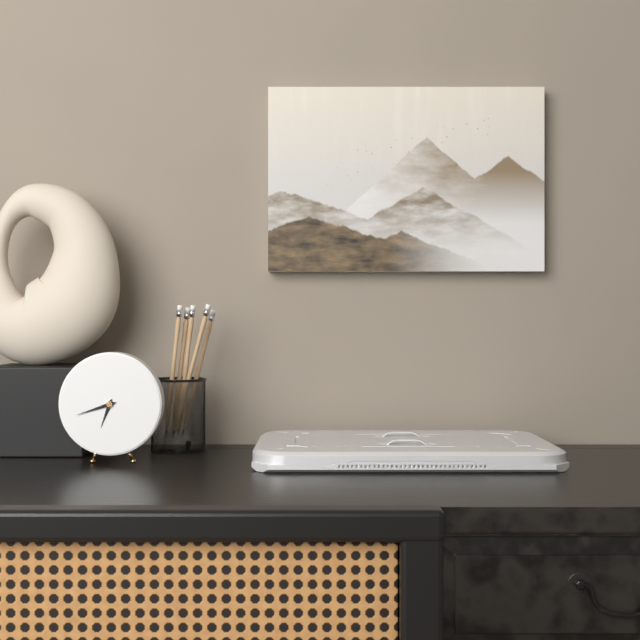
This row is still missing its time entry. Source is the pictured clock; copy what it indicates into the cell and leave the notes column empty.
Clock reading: 6:42
